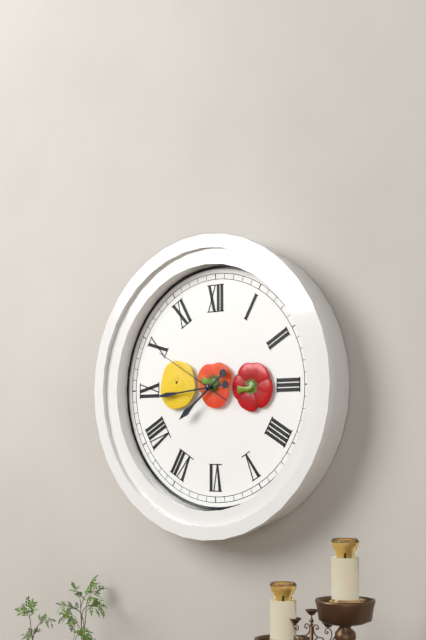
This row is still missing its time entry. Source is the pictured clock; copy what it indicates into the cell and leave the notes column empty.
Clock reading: 7:44:50
